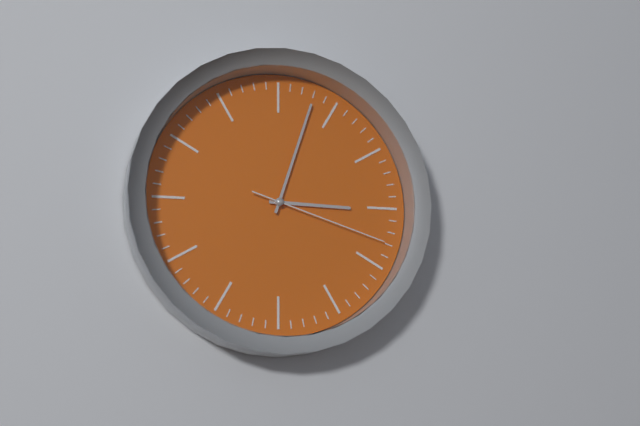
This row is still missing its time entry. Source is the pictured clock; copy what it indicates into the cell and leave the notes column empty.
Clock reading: 3:03:18
